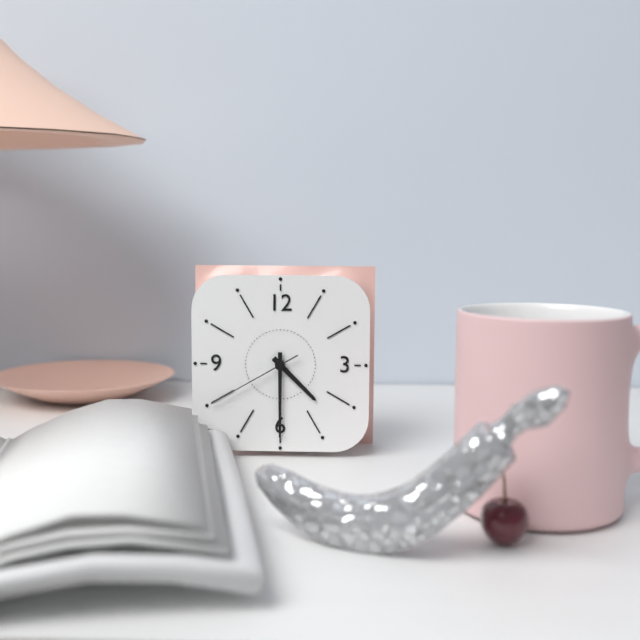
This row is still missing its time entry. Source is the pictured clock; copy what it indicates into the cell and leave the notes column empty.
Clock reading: 4:30:40
